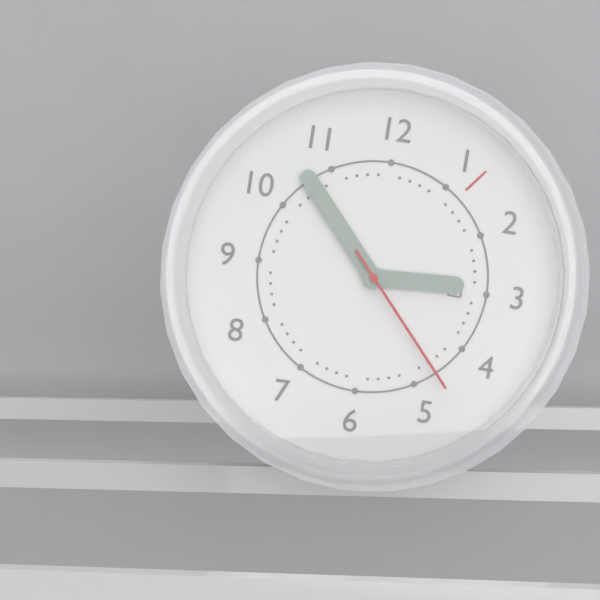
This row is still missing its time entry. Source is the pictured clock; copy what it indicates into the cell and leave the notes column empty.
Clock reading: 2:53:23
